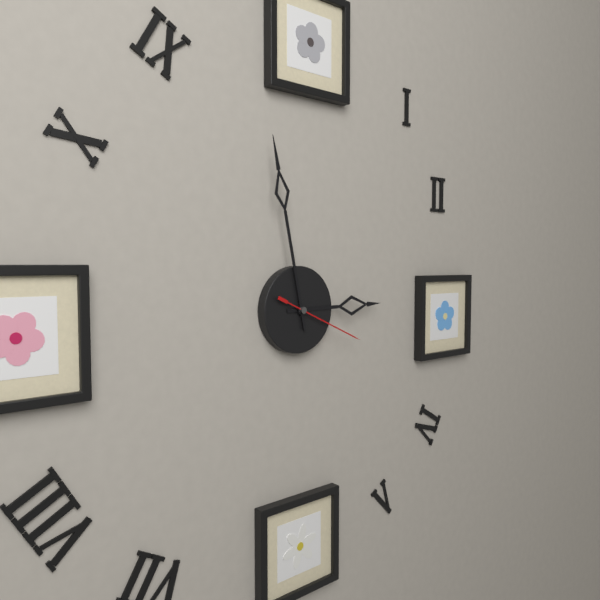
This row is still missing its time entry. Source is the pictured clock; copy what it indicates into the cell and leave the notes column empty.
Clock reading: 2:58:19
